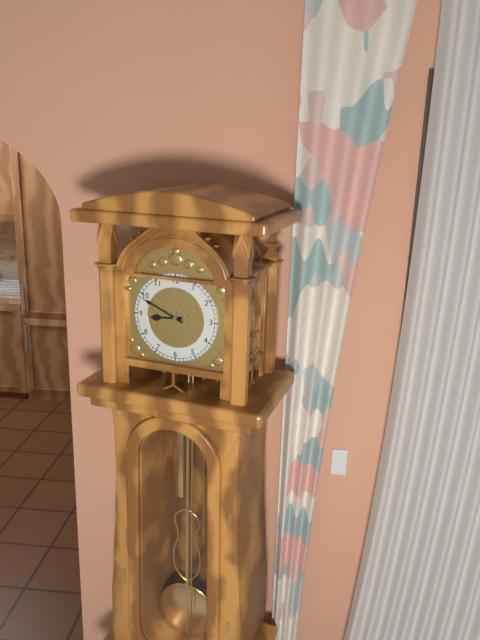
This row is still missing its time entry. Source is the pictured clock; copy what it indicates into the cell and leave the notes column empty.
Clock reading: 8:49
